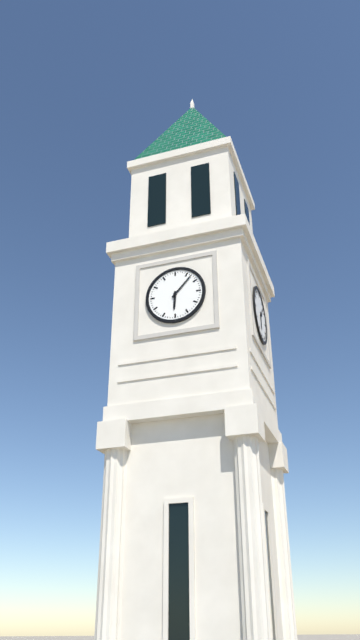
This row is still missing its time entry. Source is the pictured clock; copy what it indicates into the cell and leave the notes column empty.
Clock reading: 6:07
